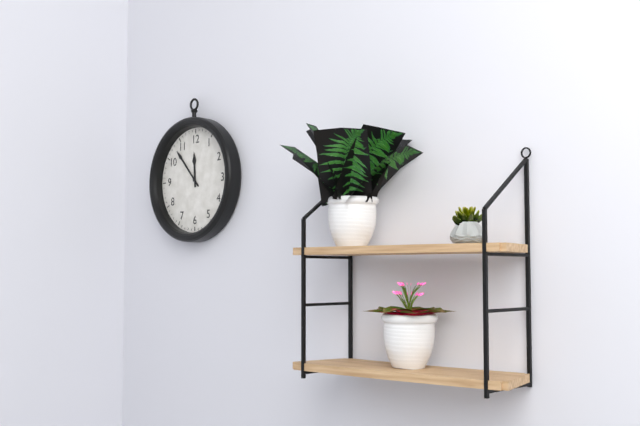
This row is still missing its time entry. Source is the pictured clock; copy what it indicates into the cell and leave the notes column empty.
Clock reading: 11:53
